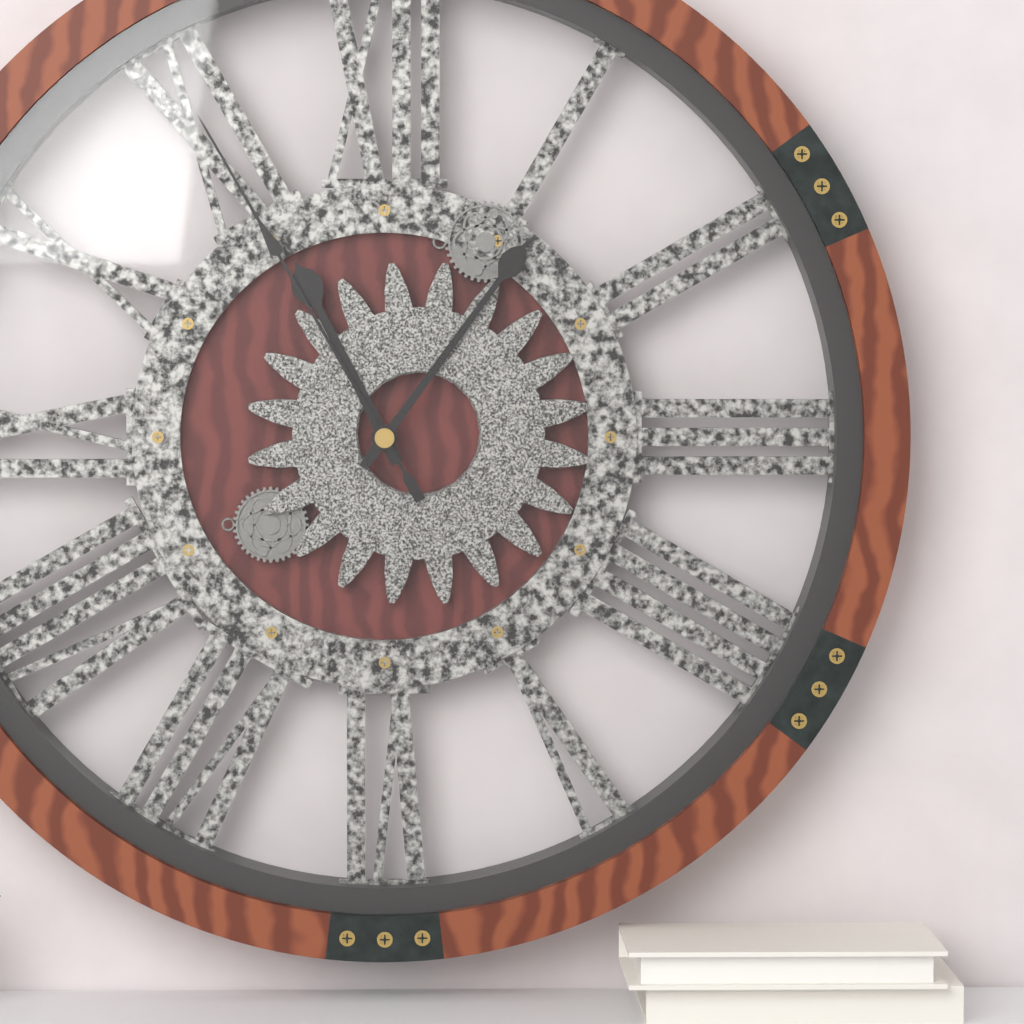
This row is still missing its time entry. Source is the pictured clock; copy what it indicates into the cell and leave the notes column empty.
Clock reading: 11:06:55
